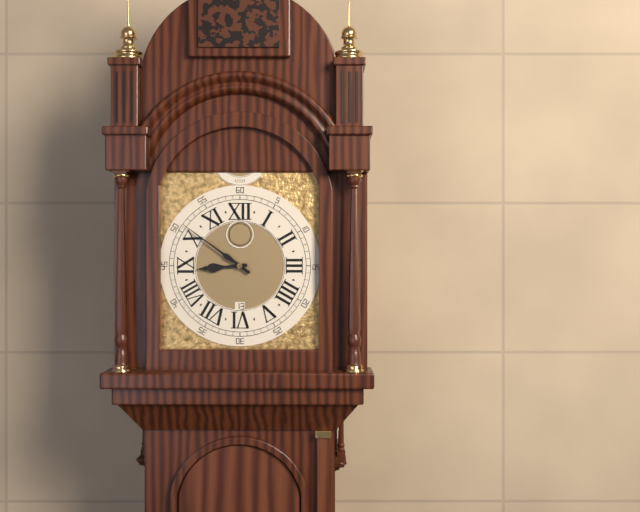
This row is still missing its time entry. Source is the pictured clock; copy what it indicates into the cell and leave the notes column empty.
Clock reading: 8:51
